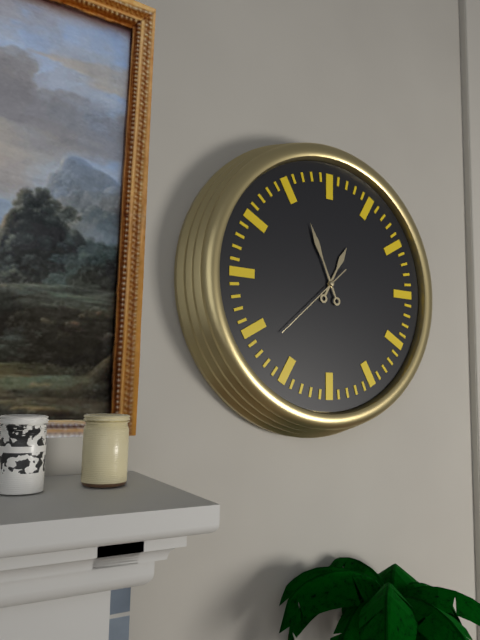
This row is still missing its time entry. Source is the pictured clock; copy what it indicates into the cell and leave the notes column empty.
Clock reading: 12:56:38
